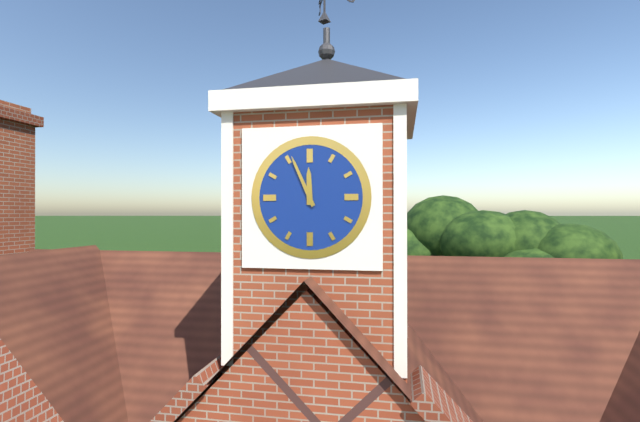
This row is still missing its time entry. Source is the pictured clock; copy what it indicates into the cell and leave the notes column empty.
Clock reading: 11:56
